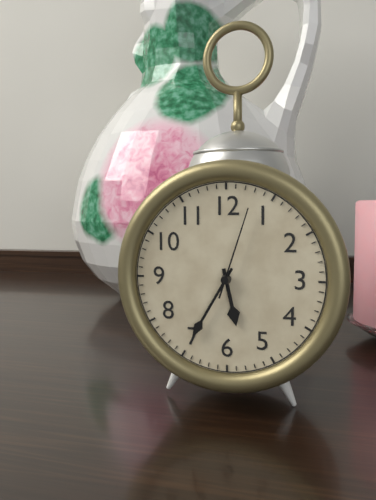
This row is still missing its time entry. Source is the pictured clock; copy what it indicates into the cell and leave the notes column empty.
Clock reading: 5:35:03
